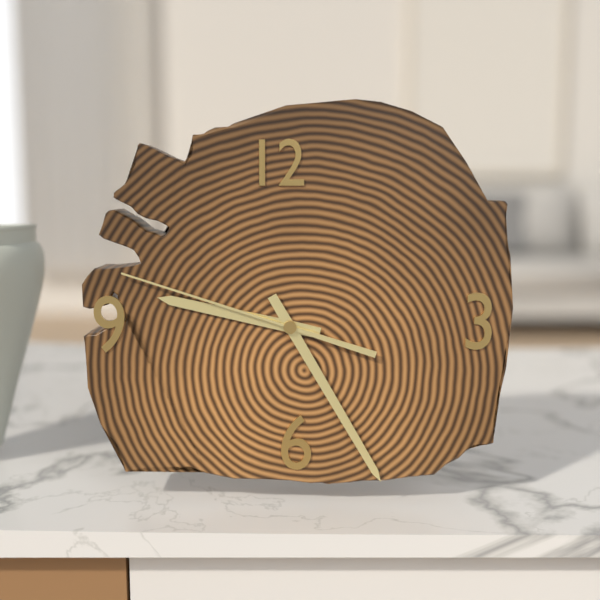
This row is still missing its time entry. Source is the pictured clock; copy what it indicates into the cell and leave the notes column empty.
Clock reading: 9:25:48
